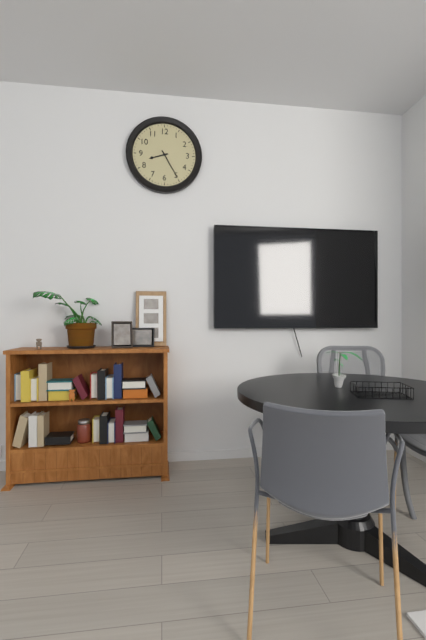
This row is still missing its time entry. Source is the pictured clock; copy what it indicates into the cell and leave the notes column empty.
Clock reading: 8:25
